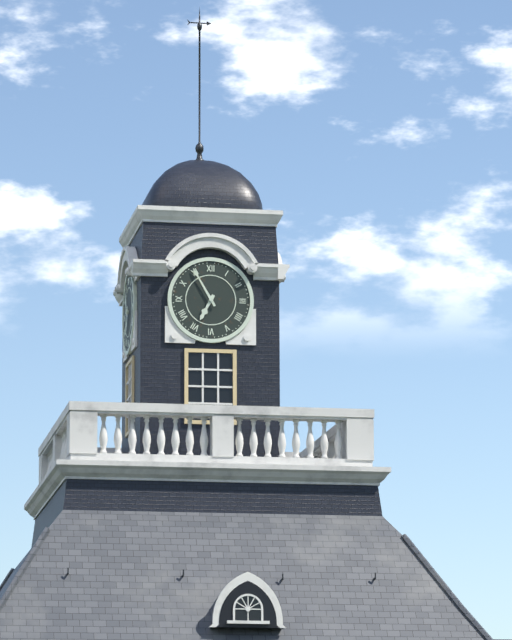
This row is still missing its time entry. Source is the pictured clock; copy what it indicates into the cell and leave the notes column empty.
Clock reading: 6:55
